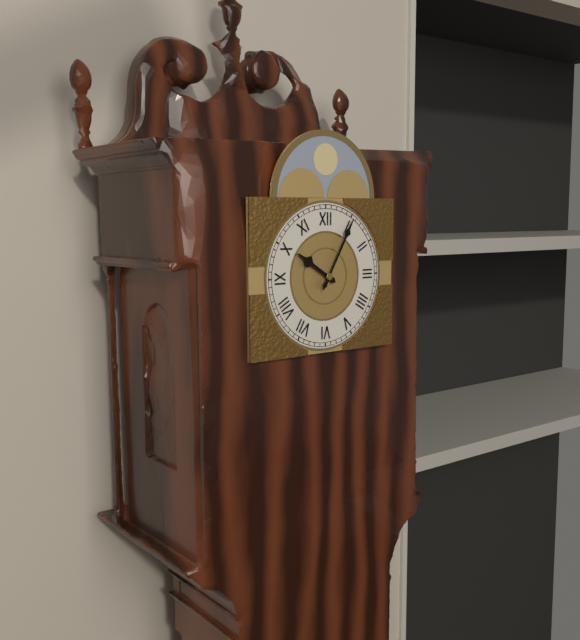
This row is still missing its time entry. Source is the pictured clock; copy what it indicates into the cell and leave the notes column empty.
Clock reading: 10:05
